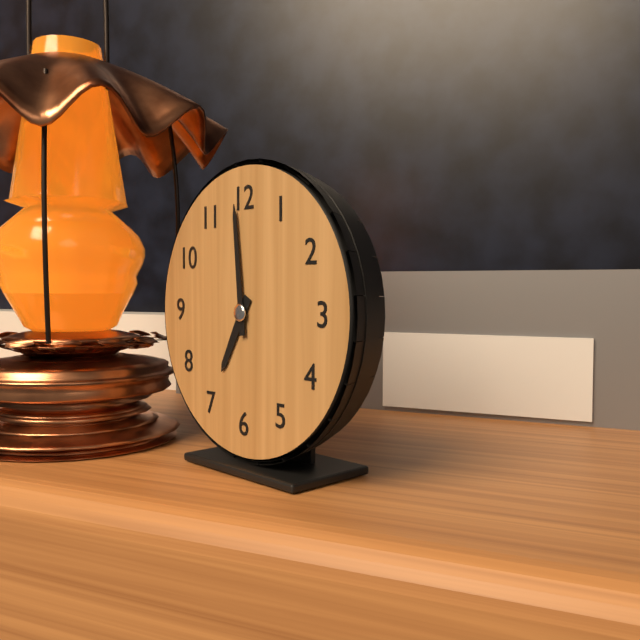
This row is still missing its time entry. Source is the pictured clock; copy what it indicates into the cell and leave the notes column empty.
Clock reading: 6:59
